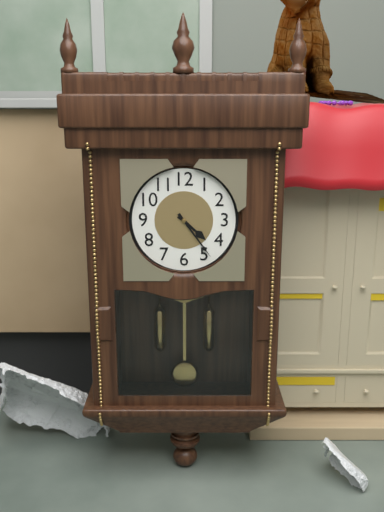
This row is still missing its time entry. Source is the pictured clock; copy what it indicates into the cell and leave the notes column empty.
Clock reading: 4:24
